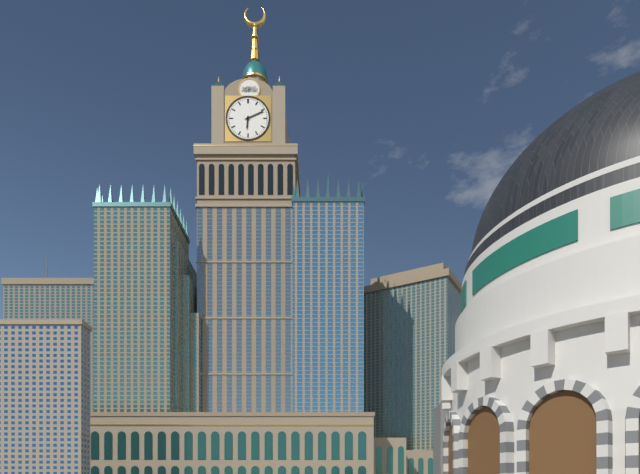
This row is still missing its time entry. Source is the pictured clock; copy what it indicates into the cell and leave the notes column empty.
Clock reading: 6:11
